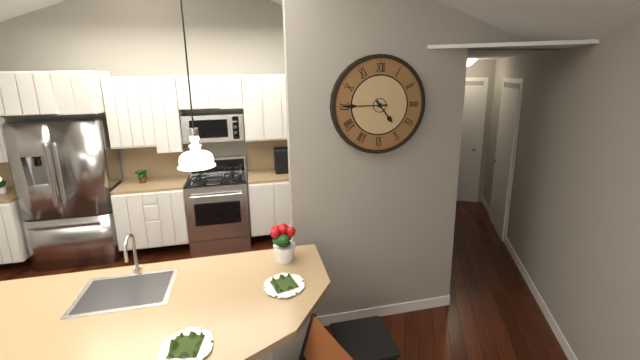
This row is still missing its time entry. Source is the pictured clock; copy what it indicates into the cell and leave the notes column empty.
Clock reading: 4:45
